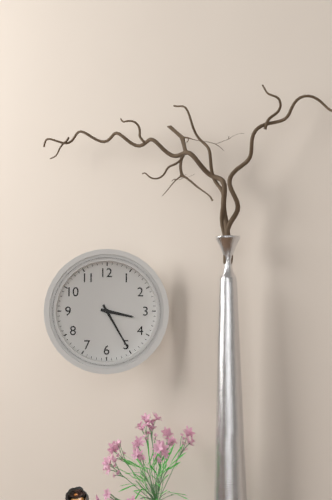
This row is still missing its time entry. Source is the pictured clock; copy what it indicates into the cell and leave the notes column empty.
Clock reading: 3:25
